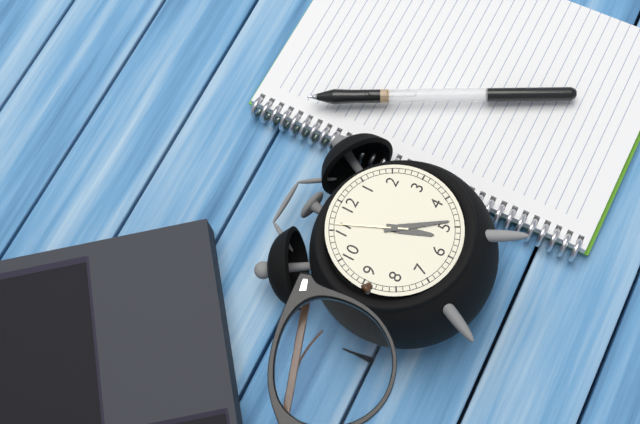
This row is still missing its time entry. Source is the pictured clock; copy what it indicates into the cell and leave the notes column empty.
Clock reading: 5:24:56
